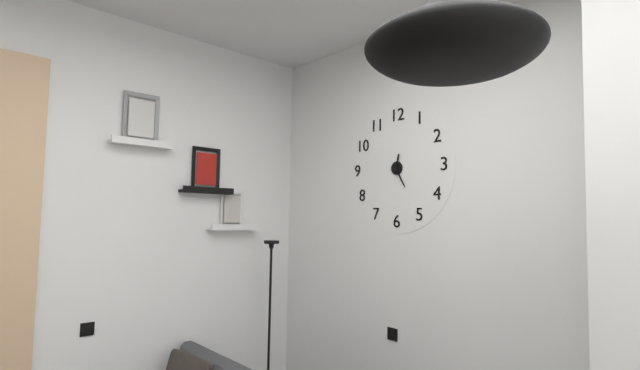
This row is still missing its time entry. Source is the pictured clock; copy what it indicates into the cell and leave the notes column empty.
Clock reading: 12:25
